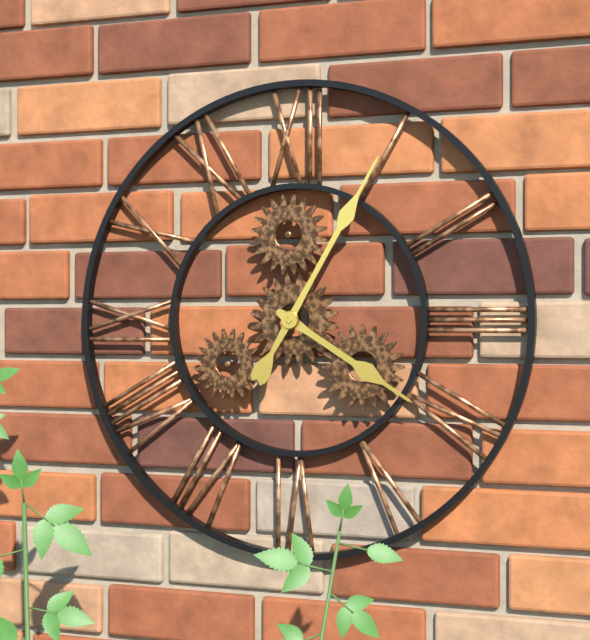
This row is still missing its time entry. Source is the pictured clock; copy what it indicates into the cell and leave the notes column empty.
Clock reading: 4:05
